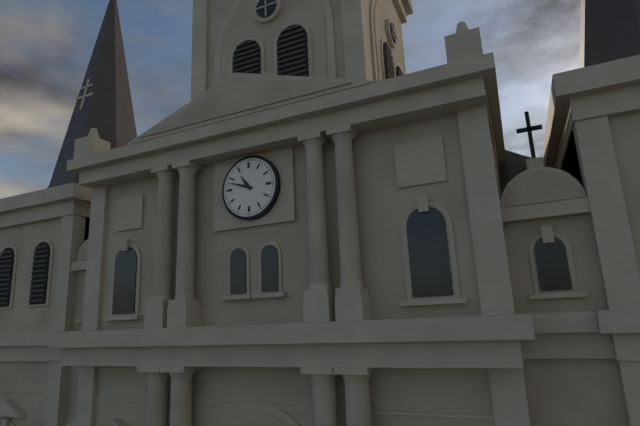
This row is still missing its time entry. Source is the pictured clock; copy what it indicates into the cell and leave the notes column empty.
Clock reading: 10:48
